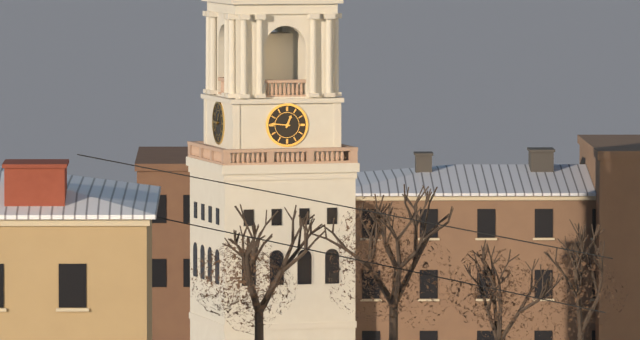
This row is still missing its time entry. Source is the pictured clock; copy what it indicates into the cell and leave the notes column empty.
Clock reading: 12:46
